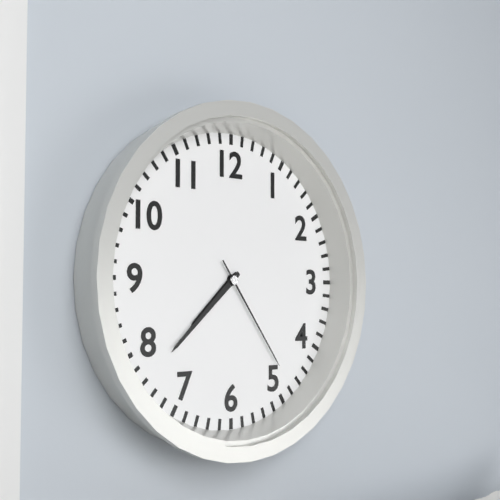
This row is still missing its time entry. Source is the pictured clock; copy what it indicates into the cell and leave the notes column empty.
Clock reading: 7:38:24
